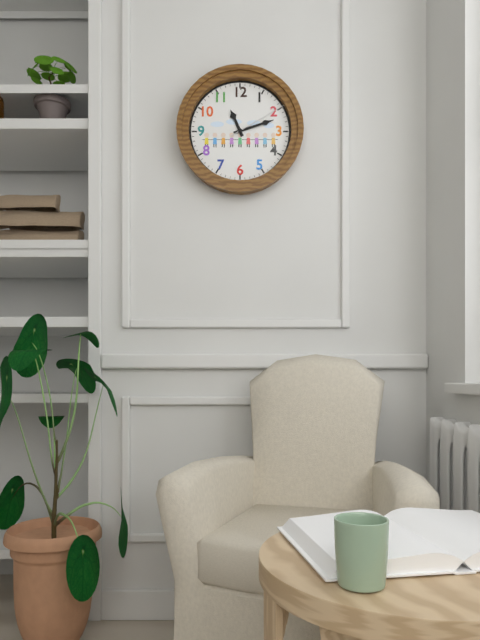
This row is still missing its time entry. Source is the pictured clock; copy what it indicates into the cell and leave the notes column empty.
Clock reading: 11:12:10
